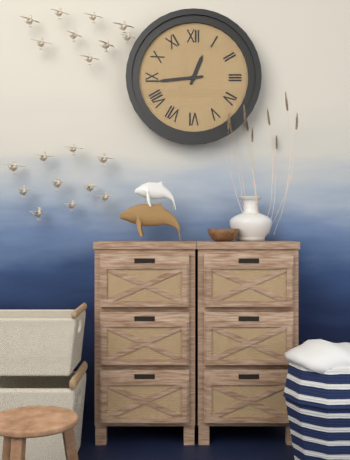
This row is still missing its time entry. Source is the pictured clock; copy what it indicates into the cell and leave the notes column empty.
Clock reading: 12:44
